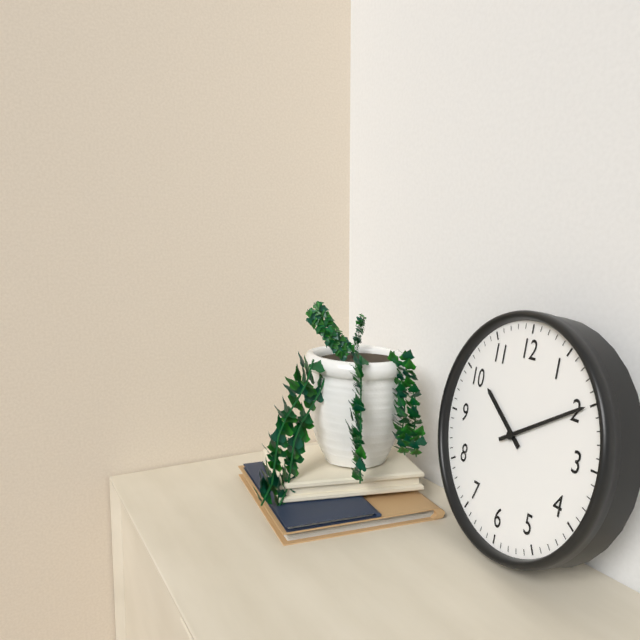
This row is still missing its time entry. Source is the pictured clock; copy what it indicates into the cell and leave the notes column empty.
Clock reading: 10:10
